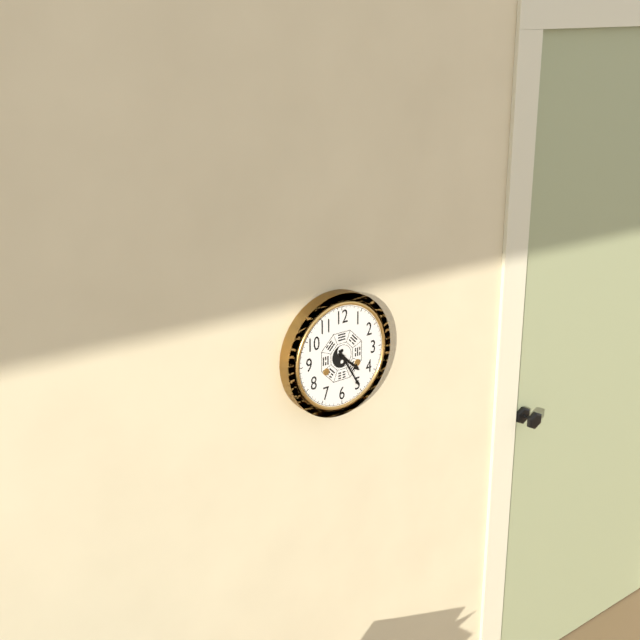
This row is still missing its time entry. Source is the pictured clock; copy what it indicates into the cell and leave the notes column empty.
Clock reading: 4:25
